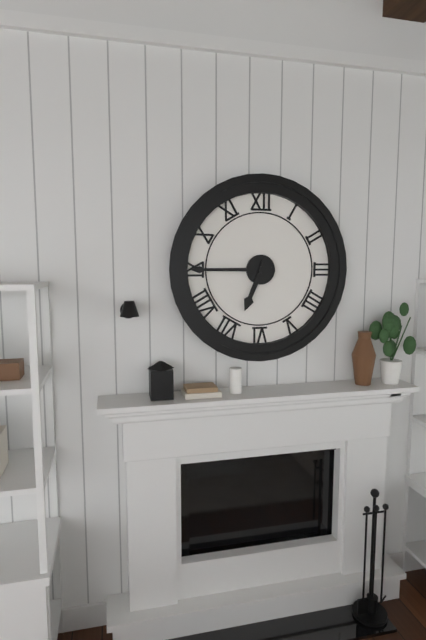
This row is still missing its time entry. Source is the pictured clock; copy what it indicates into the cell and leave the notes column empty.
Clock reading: 6:45
